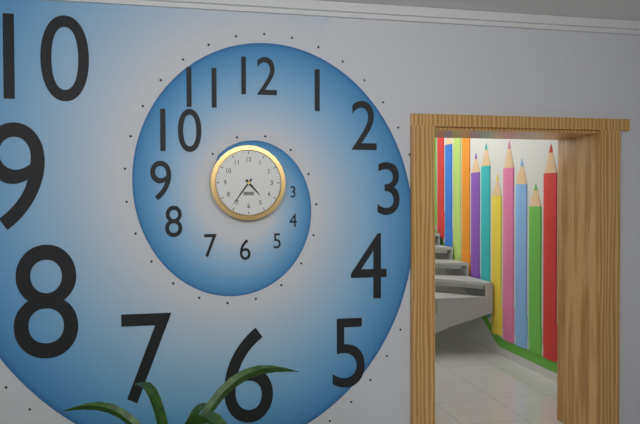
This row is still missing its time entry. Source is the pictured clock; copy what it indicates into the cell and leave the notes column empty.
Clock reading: 4:36
